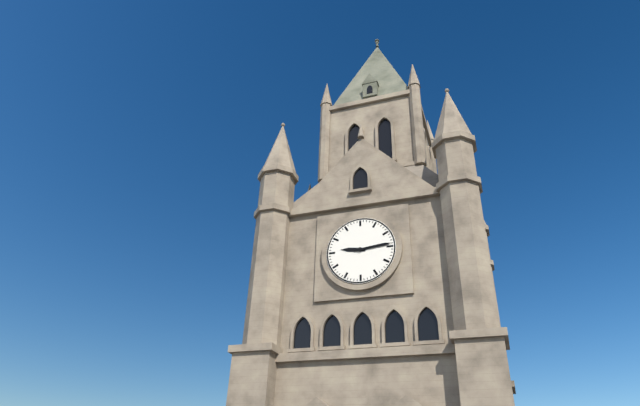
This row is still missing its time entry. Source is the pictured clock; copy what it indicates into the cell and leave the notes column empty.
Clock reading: 9:14
